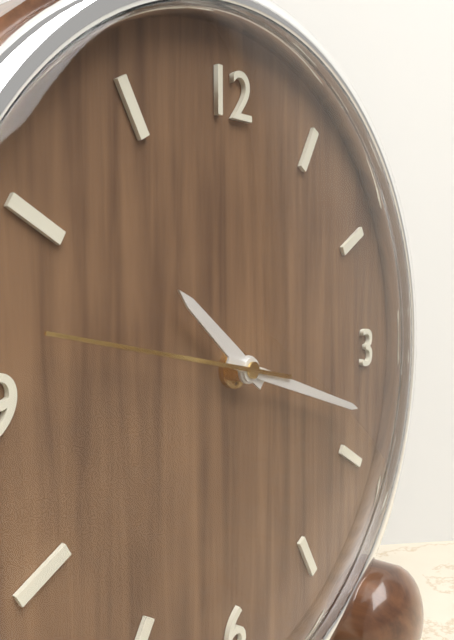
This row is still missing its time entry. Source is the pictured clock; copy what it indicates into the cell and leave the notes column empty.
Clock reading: 10:18:47
